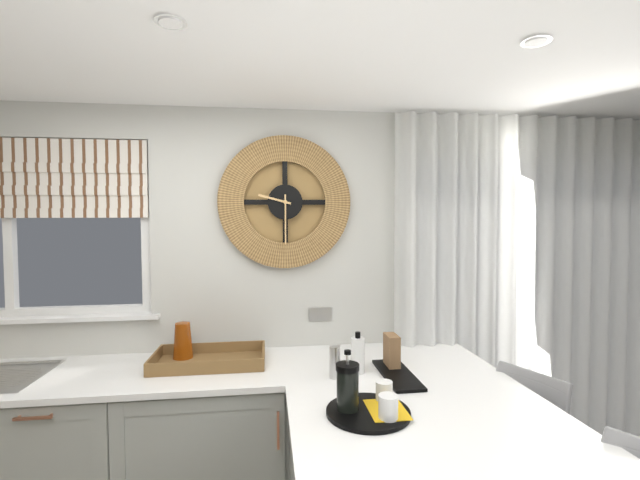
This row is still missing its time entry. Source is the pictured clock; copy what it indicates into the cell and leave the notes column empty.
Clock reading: 9:30
